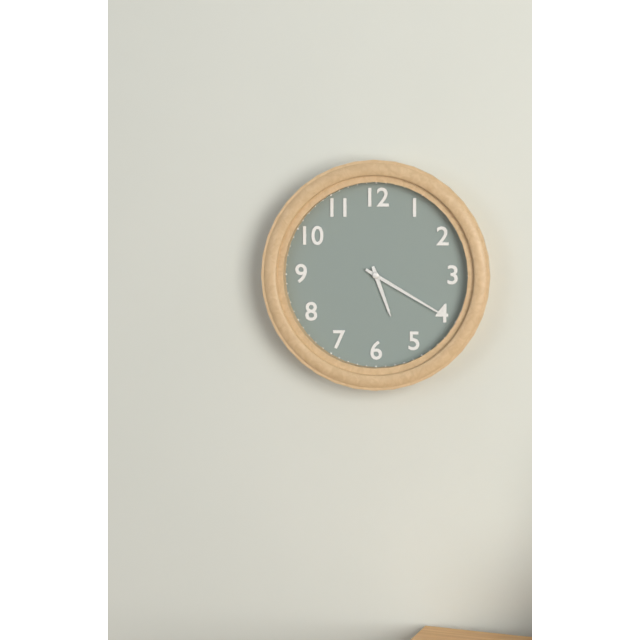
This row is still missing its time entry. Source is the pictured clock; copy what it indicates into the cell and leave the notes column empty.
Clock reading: 5:20
